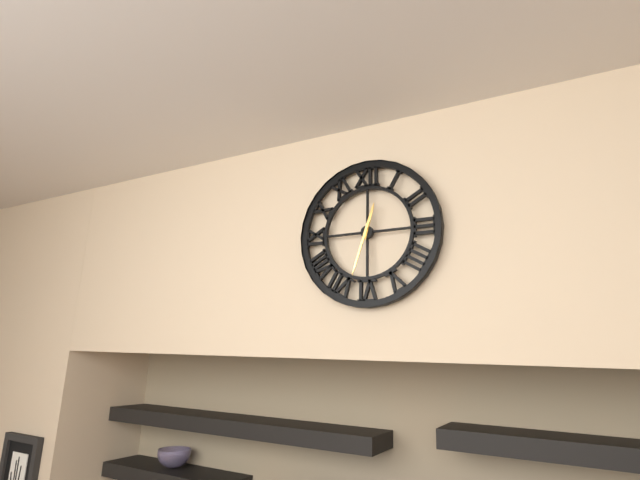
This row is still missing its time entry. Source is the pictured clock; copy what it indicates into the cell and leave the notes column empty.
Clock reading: 12:33
